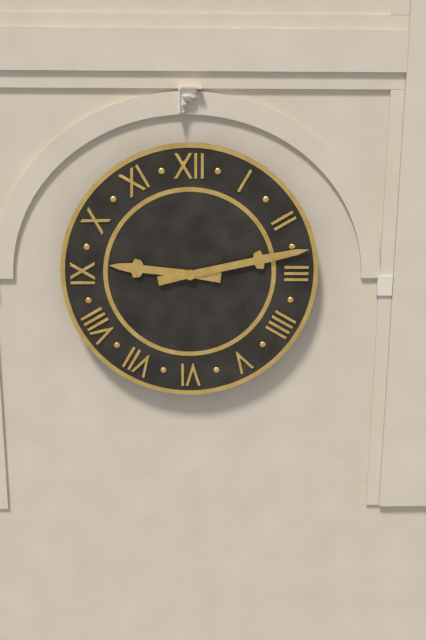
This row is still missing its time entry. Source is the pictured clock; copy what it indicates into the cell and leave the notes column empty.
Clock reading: 9:13
